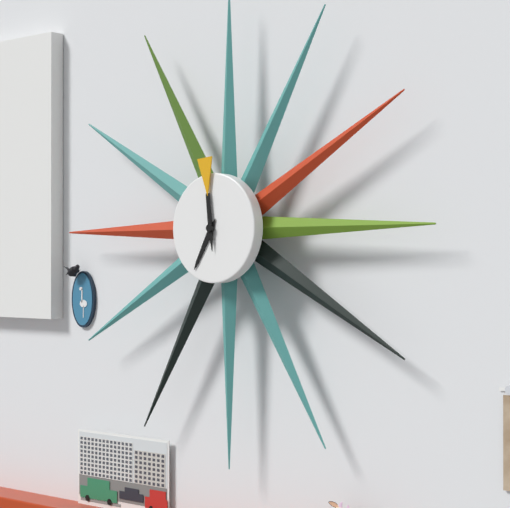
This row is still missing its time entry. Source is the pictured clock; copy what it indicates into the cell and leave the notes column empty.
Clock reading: 6:59
